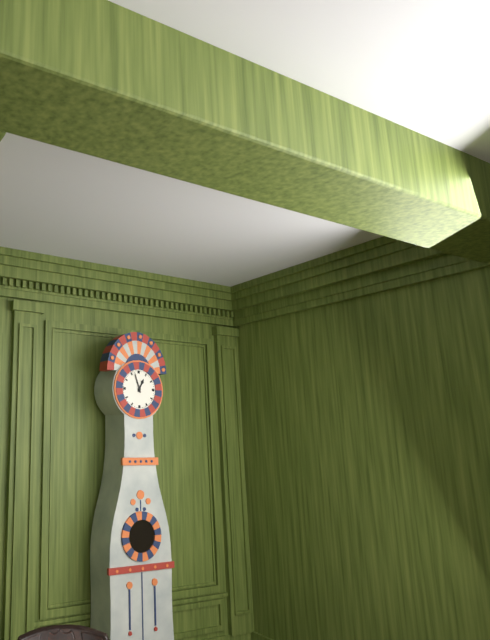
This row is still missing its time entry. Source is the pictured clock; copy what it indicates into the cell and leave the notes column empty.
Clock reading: 12:57
